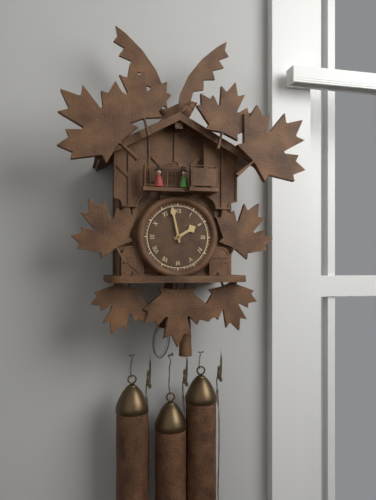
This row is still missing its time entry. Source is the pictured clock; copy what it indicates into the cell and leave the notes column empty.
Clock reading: 1:58
